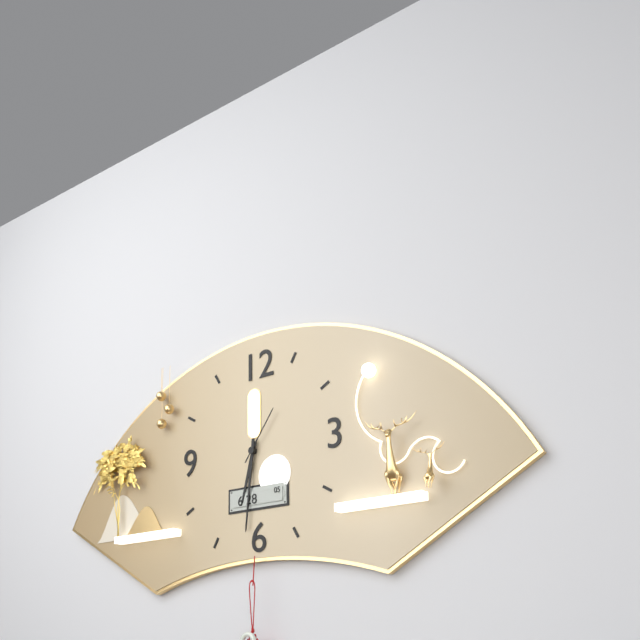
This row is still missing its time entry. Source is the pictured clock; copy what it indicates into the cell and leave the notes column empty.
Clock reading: 6:31:06
